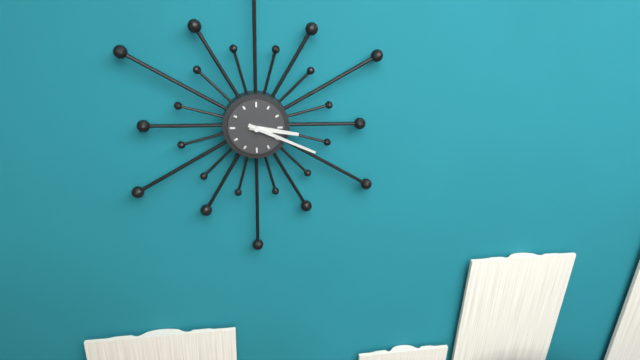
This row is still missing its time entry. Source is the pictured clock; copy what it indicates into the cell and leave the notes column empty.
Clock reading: 3:19
